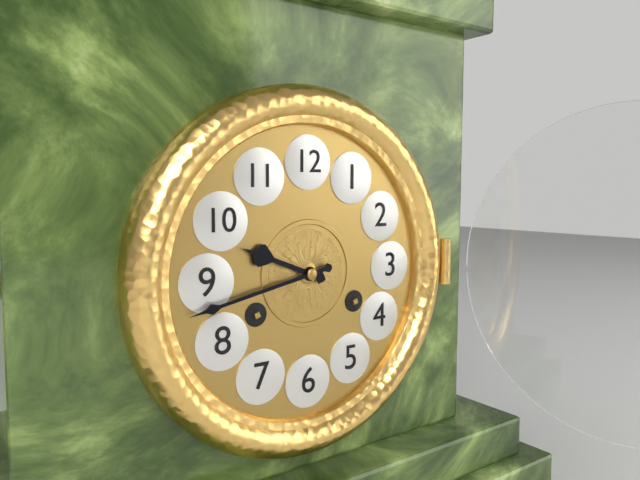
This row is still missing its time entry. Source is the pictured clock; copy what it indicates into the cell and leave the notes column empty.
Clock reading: 9:43
